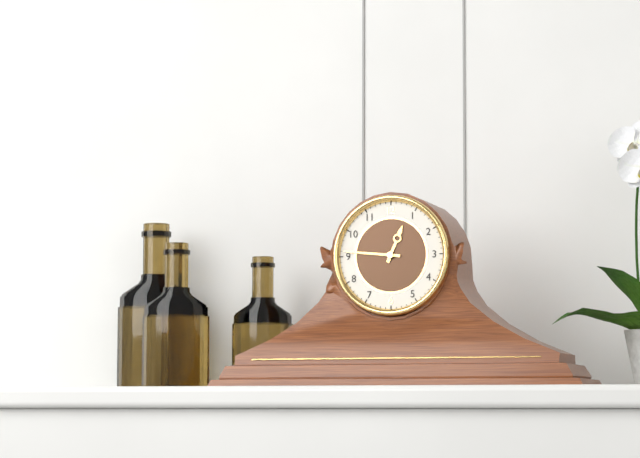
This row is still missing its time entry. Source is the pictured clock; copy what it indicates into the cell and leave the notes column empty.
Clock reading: 12:46
